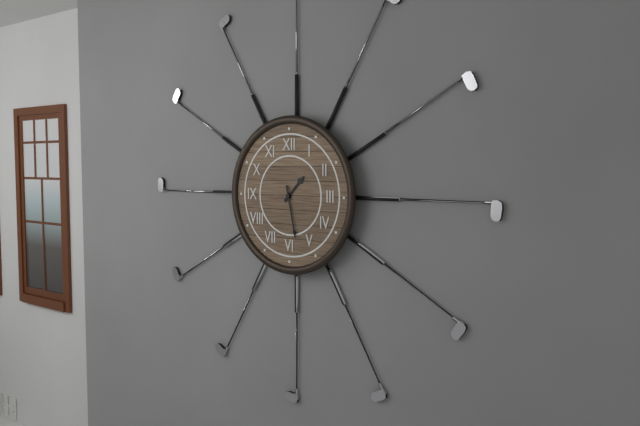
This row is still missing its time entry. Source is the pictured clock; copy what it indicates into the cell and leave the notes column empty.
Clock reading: 1:28
